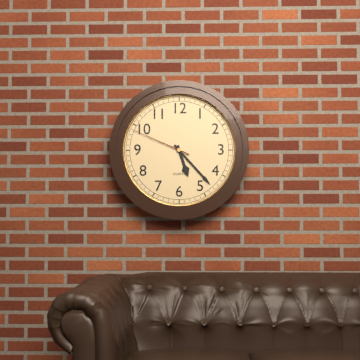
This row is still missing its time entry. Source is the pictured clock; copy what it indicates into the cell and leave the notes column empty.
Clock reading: 5:23:49
